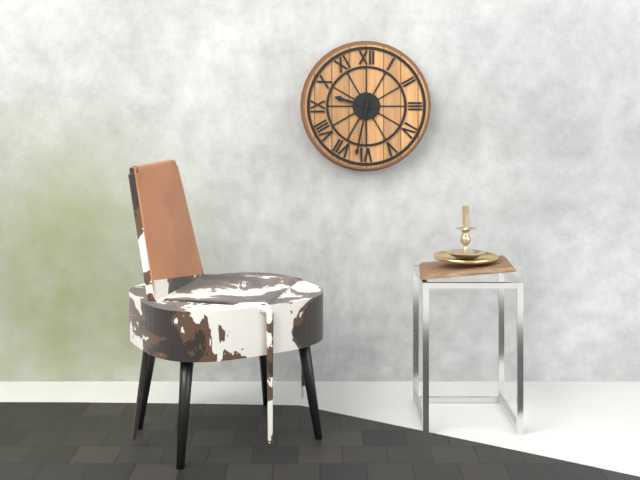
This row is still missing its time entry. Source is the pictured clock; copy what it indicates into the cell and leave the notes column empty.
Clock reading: 9:32
